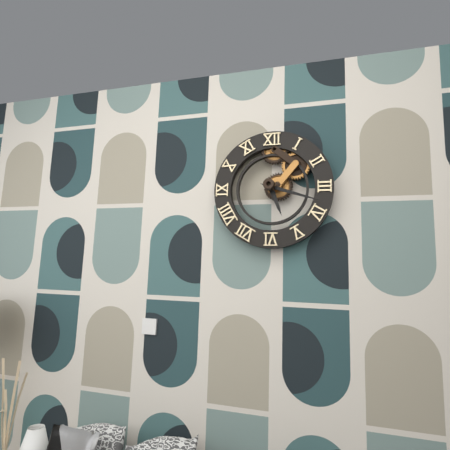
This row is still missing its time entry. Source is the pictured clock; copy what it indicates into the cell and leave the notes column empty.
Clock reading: 5:18
